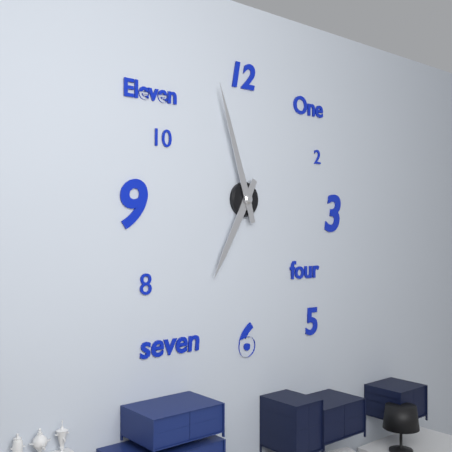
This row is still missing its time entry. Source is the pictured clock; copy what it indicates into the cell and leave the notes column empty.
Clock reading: 6:57
